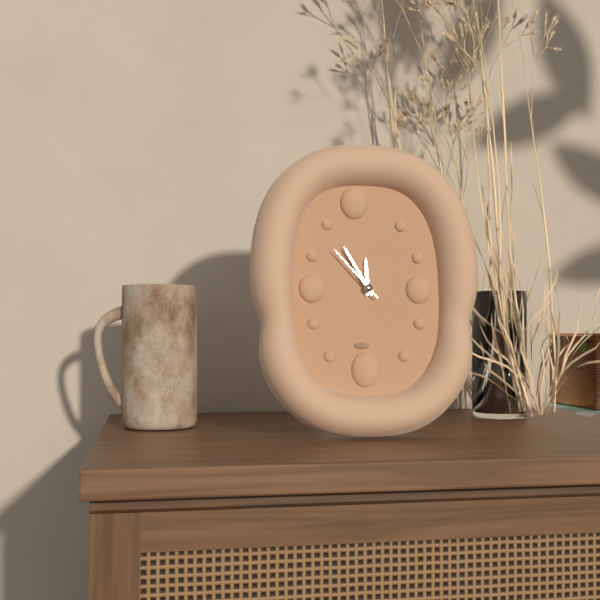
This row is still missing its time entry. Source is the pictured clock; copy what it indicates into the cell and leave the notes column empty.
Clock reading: 11:55:53
